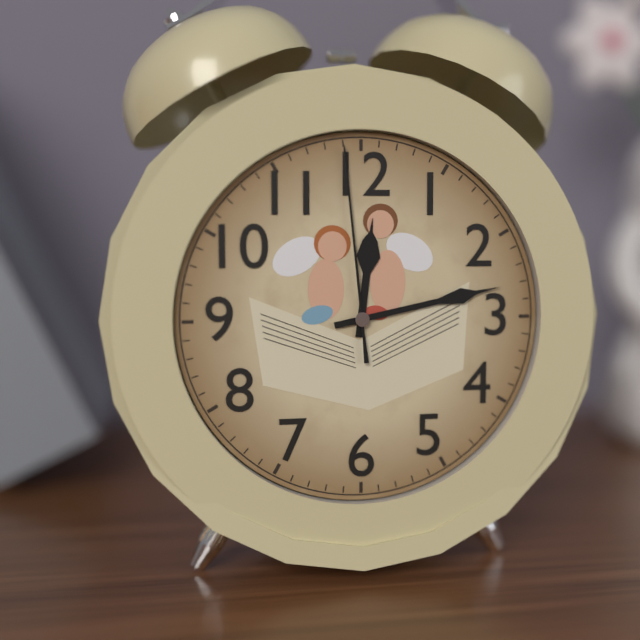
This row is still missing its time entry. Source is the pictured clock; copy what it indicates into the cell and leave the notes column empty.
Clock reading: 12:13:59
